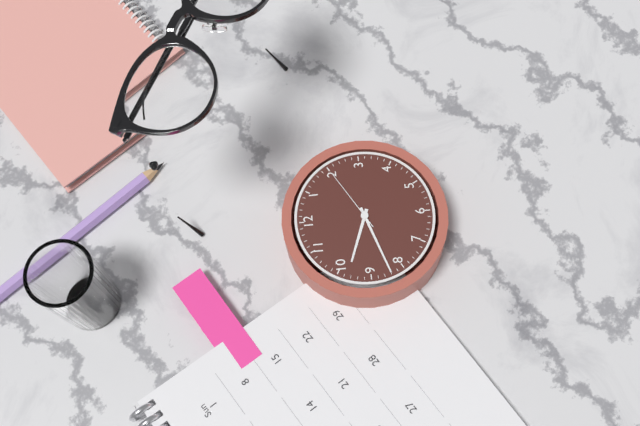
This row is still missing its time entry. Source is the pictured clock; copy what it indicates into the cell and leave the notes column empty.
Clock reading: 9:42:10
